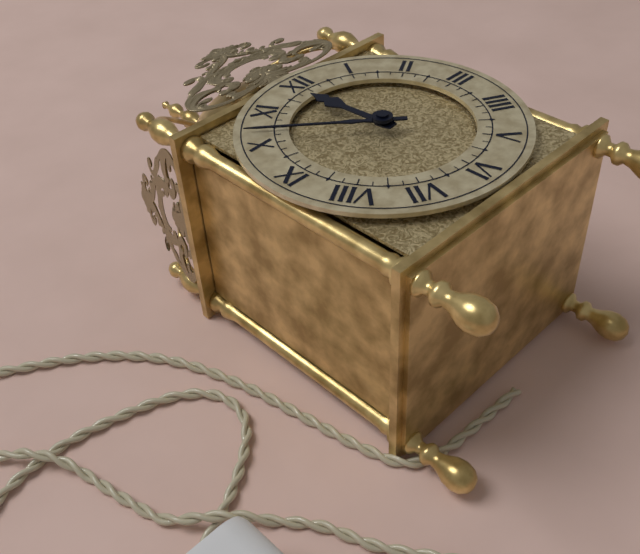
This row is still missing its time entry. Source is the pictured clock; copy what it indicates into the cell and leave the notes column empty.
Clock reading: 11:52
